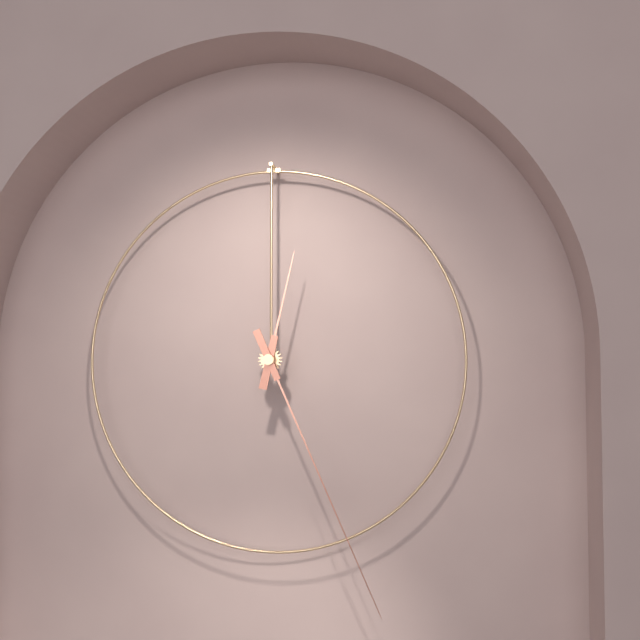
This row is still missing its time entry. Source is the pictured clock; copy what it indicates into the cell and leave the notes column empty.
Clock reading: 12:26
